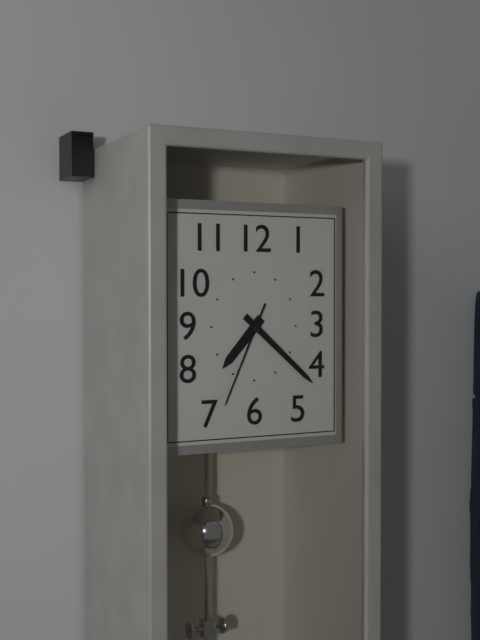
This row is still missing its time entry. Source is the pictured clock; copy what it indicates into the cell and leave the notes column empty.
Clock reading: 7:22:34
